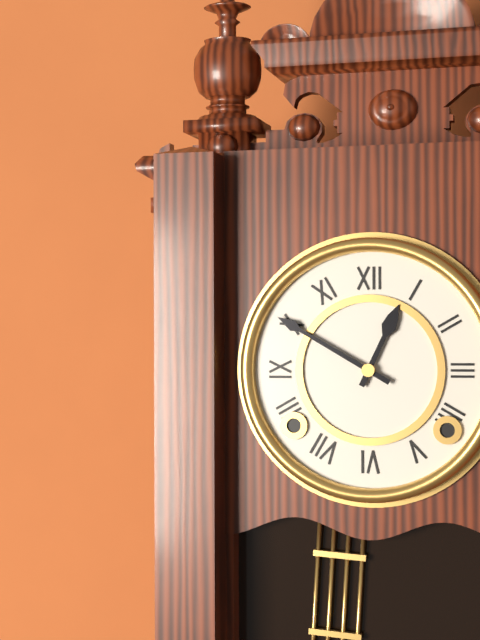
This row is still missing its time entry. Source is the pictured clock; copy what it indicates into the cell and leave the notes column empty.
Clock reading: 12:50
